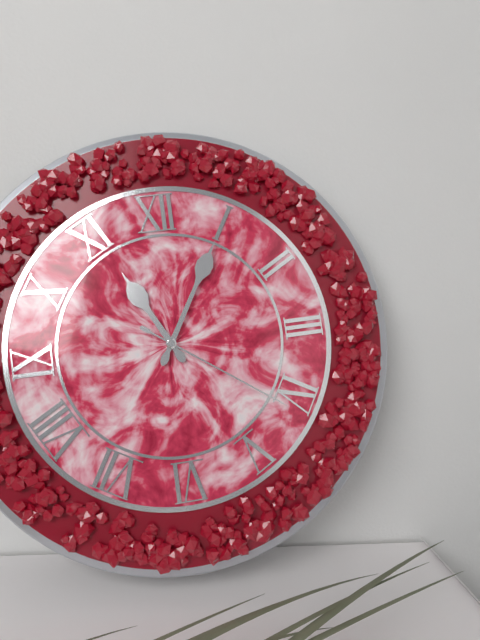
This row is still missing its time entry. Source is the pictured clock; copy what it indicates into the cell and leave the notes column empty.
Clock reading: 11:05:21
